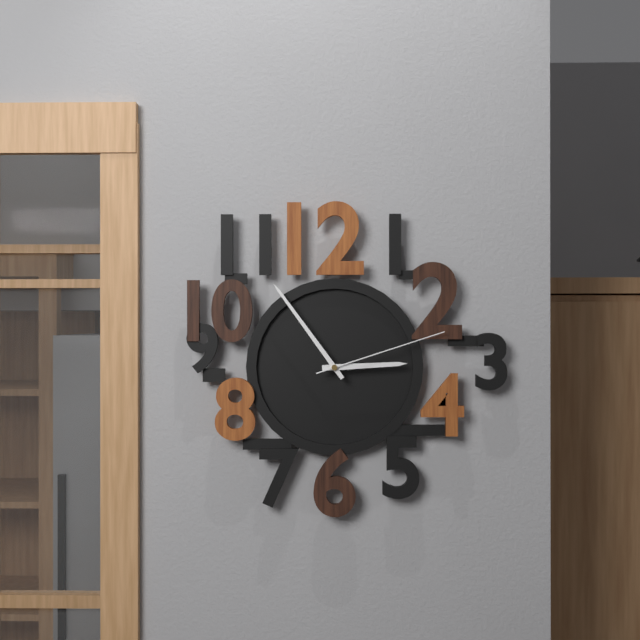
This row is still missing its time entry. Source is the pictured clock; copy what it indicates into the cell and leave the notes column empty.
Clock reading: 2:54:12
